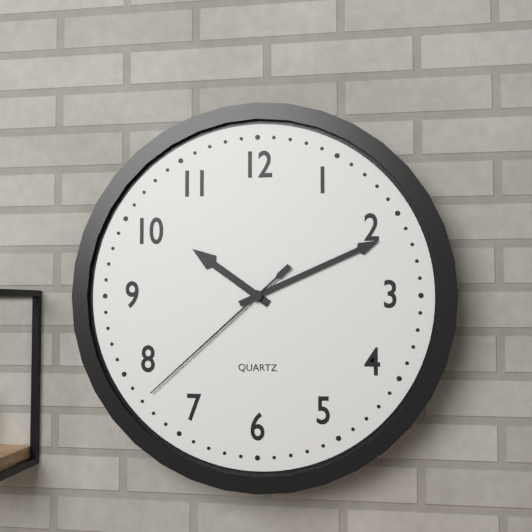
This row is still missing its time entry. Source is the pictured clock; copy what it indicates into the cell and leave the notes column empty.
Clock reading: 10:11:38
